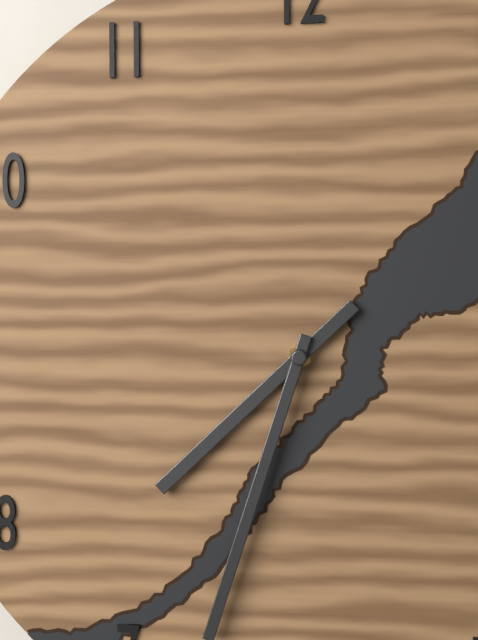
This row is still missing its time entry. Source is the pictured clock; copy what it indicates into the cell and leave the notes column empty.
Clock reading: 7:33
